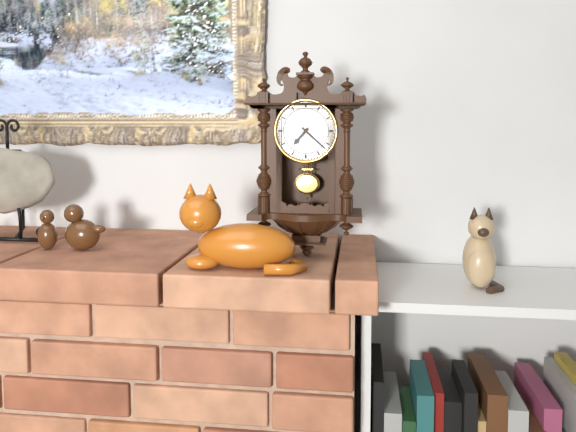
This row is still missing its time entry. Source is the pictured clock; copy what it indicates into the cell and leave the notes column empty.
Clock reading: 7:22
